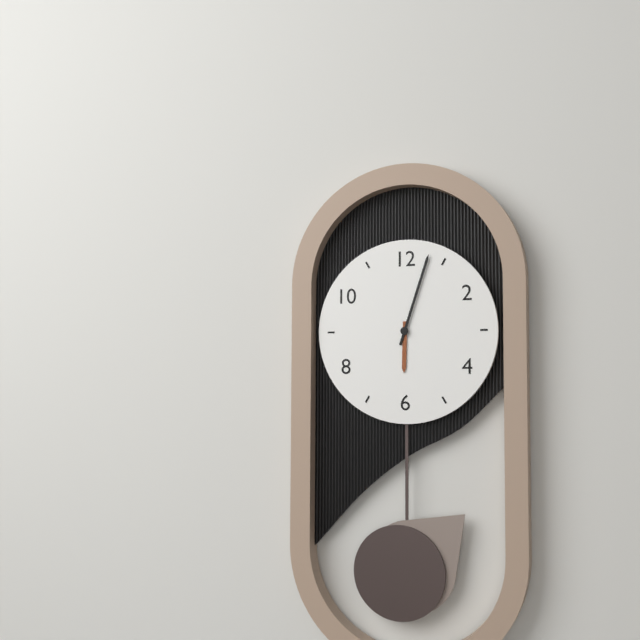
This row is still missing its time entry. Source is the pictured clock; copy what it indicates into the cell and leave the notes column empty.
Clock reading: 6:03
